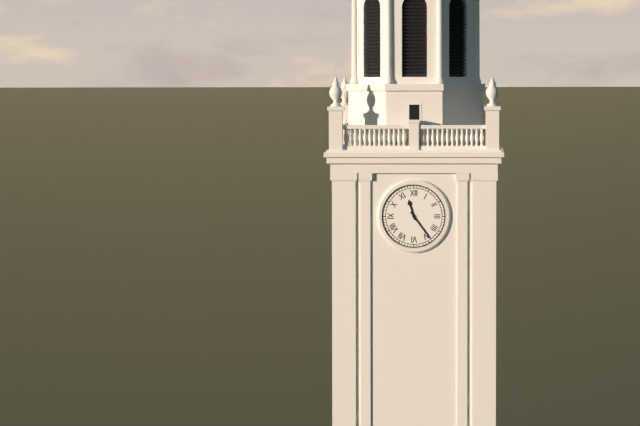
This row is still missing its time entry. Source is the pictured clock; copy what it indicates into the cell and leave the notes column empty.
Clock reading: 11:24
